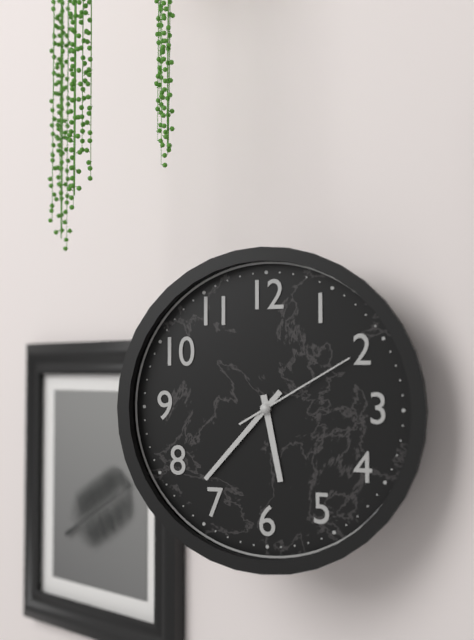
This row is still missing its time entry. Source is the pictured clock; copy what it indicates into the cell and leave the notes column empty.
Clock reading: 5:37:10
